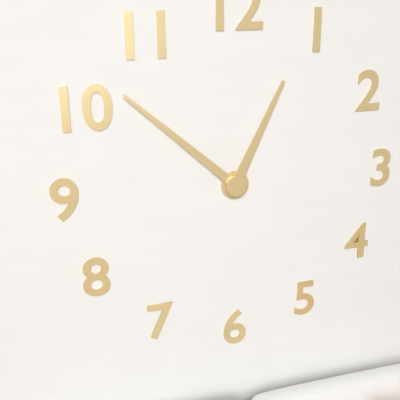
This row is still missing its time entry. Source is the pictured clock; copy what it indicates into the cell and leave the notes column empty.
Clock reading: 12:52
